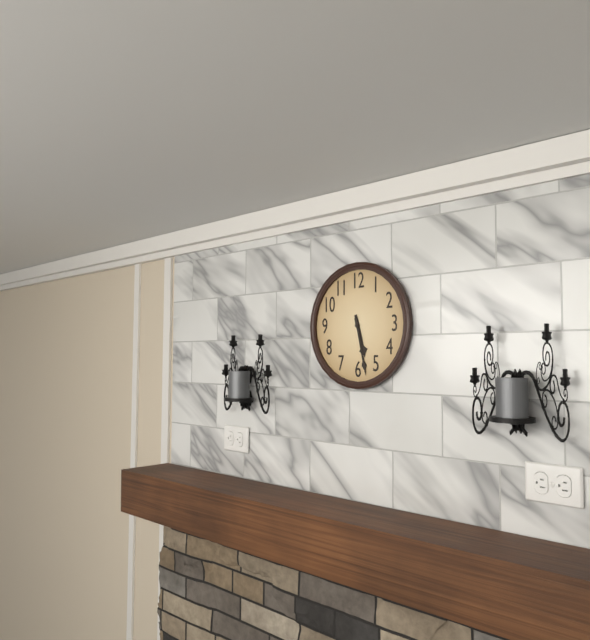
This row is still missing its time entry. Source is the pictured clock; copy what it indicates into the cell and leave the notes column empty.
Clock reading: 5:28
